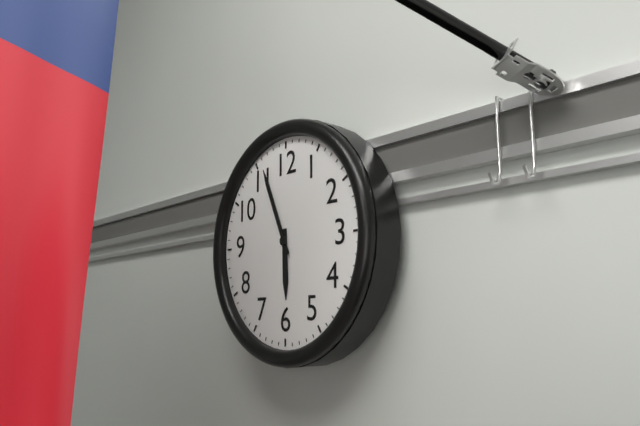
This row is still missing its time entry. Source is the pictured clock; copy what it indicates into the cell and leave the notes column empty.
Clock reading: 5:56
